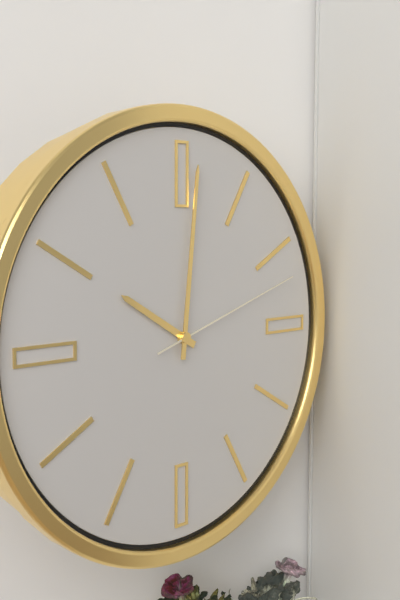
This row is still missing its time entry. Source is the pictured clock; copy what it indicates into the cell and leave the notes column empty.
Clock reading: 10:01:12
